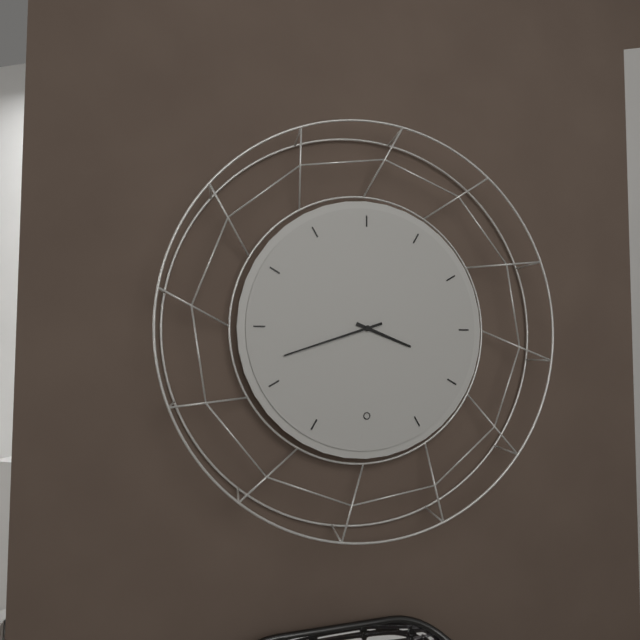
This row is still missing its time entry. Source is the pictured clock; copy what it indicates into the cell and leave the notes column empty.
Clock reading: 3:42
